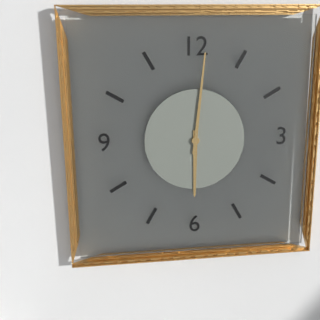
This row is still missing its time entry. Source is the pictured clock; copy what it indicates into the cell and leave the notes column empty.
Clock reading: 6:01
